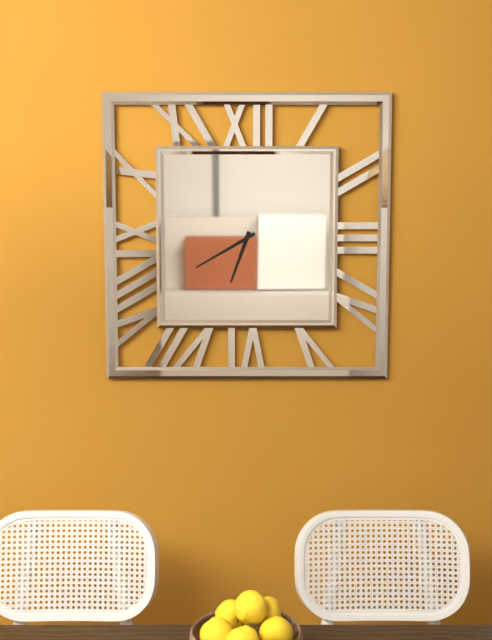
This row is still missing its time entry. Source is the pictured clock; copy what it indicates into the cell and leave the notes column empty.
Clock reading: 6:40
